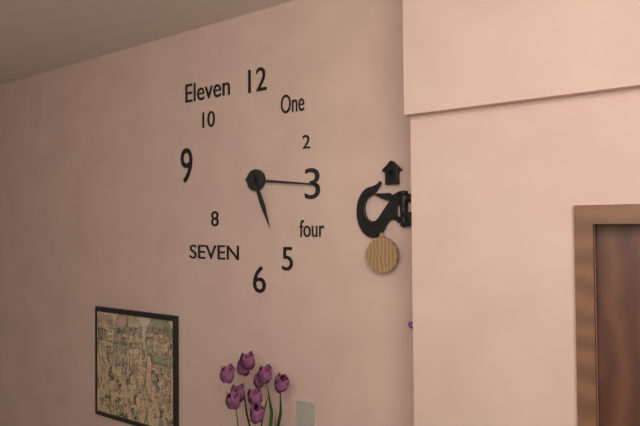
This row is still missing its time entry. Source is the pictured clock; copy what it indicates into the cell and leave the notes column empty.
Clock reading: 5:16
